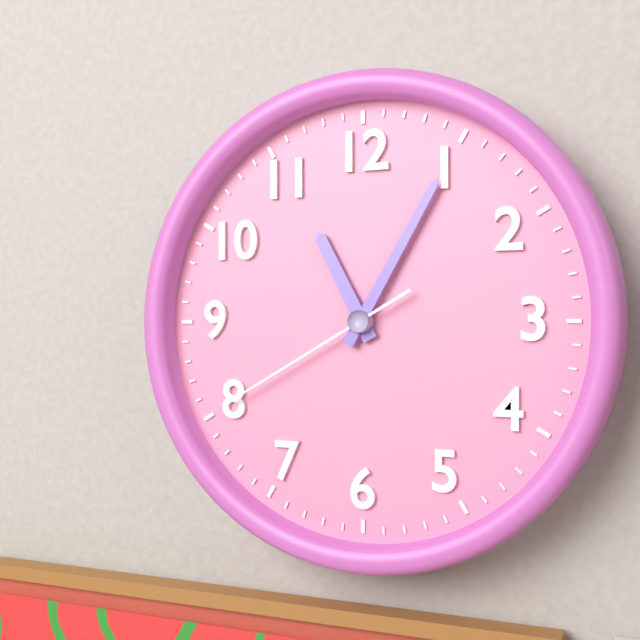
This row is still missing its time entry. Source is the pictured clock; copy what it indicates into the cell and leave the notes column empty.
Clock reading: 11:05:40
